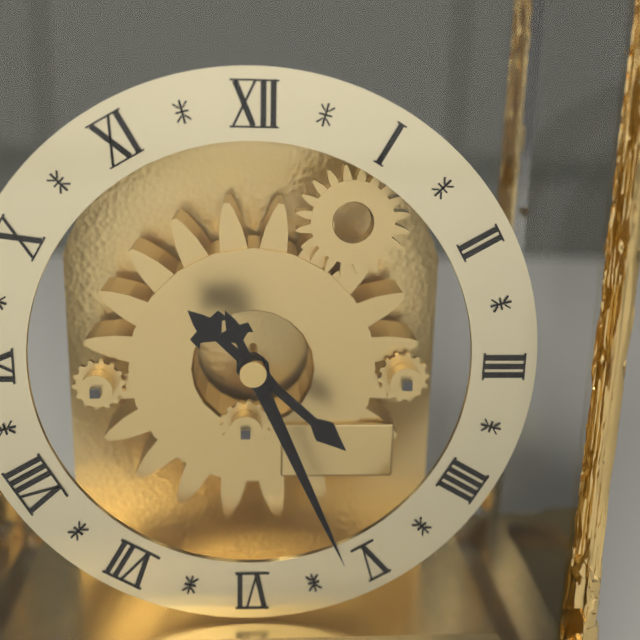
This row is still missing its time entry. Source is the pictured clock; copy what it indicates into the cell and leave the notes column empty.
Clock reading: 4:26
